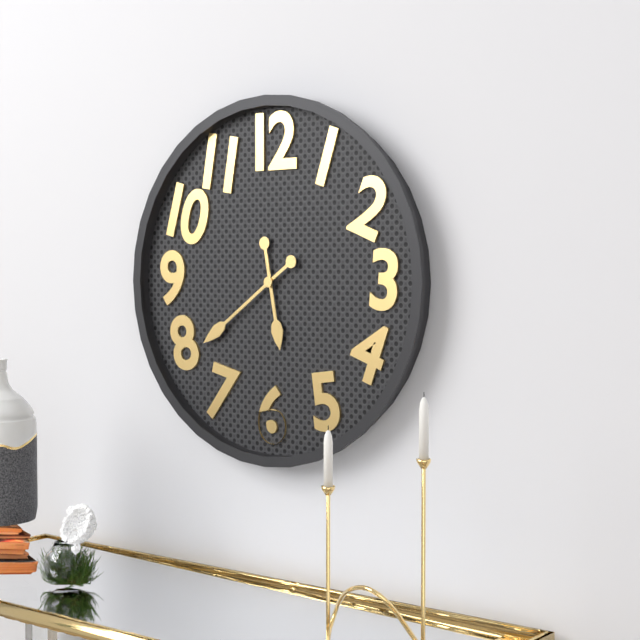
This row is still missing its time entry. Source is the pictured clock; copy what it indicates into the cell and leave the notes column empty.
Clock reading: 5:39
